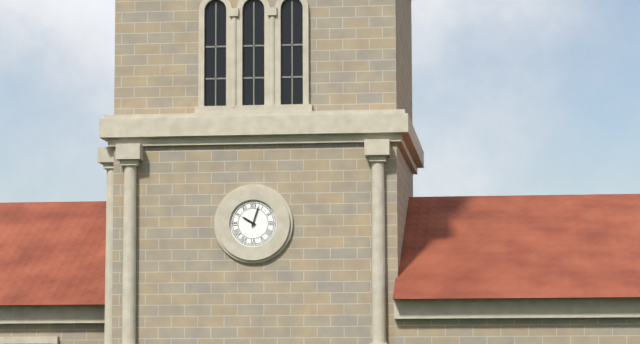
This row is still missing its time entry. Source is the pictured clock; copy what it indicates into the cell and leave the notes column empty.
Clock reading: 10:03
